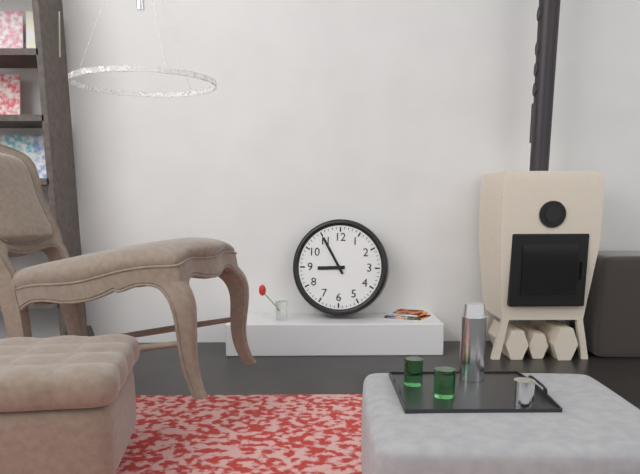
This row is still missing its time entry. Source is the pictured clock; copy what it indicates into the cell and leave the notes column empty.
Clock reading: 8:55
